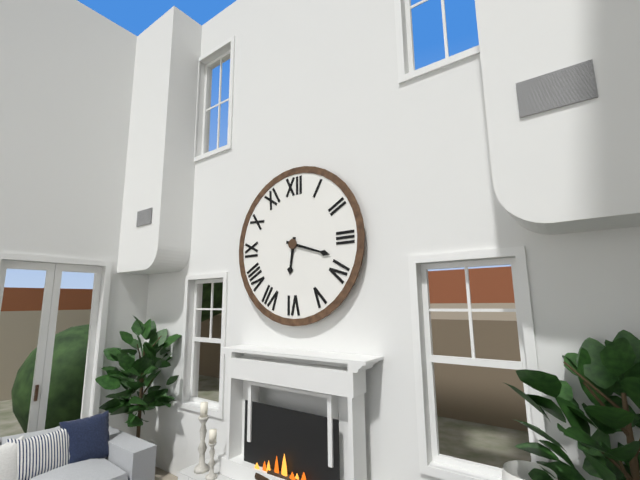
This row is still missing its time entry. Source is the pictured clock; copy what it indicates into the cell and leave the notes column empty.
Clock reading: 6:18
